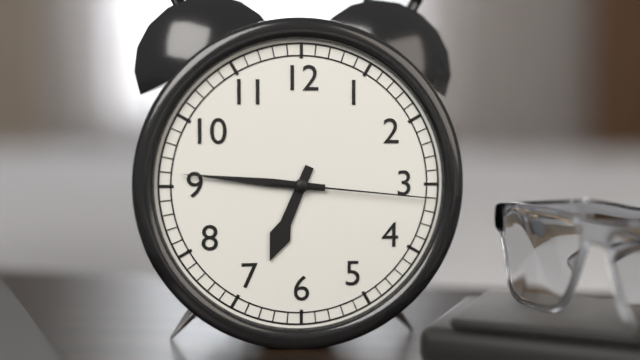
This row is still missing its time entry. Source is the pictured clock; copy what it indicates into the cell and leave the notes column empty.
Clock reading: 6:46:16
